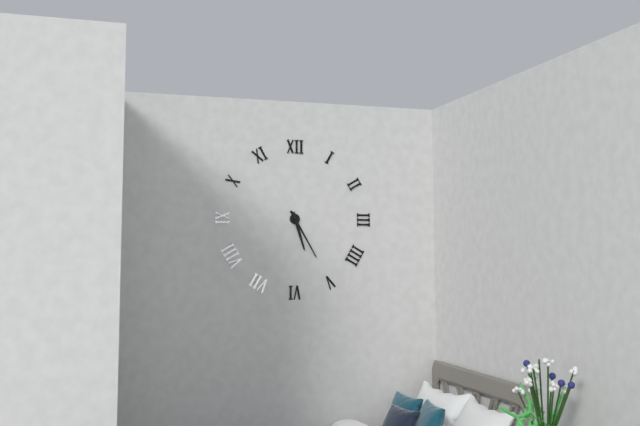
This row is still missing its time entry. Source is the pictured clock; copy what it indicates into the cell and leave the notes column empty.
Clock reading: 5:25
